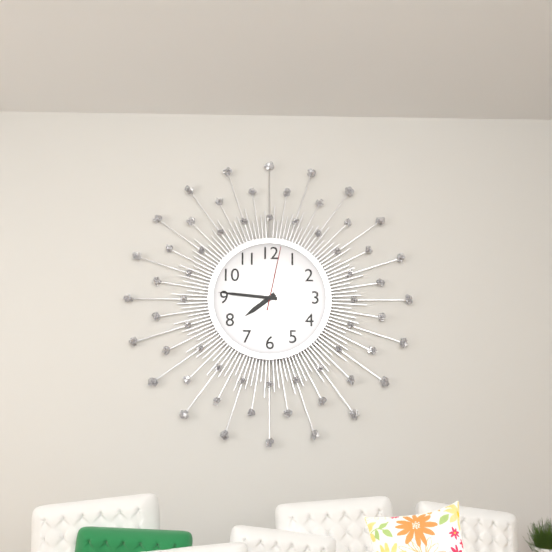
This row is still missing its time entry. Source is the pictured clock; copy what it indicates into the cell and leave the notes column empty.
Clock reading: 7:46:02
